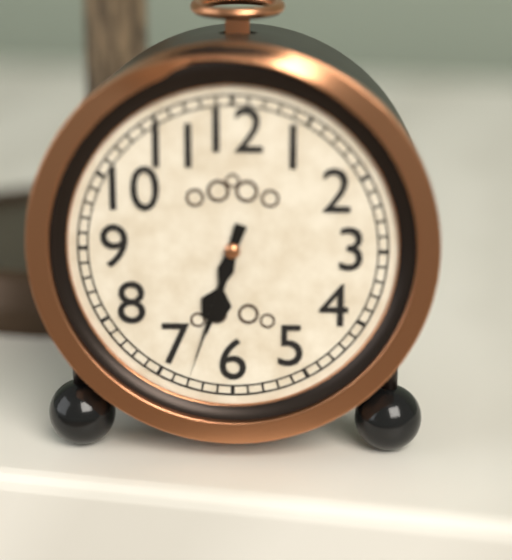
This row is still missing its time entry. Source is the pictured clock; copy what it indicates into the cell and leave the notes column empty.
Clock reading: 6:33
